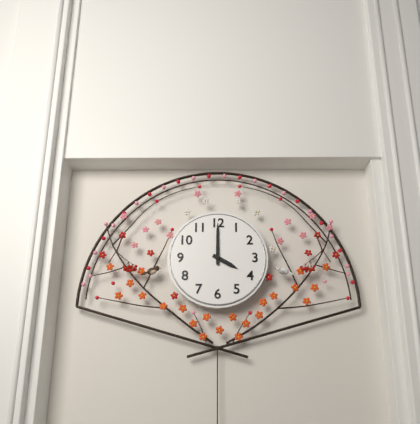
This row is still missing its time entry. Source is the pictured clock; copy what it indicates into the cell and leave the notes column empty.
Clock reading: 4:00
